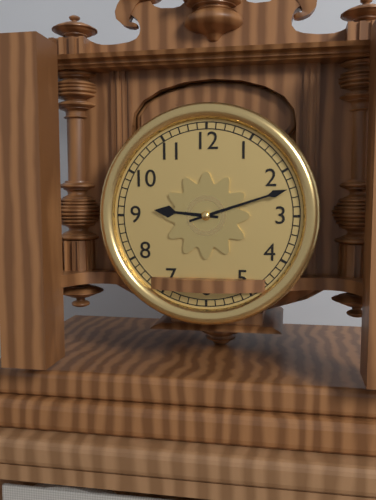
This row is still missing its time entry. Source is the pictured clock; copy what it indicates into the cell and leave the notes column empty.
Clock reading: 9:12
